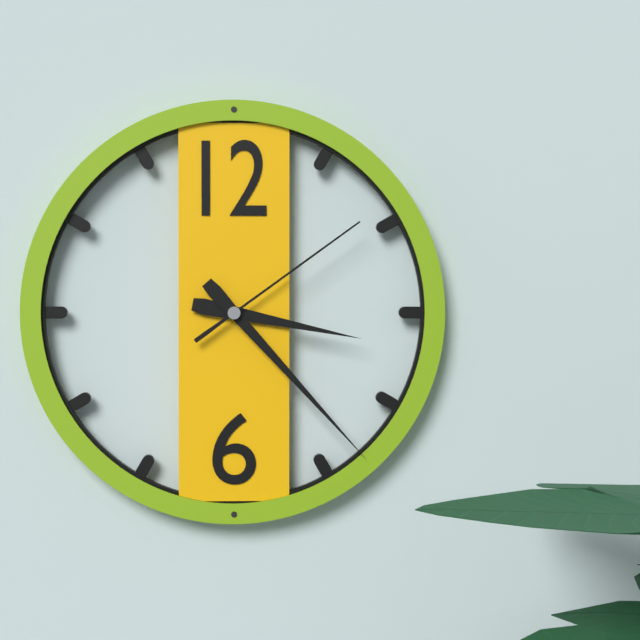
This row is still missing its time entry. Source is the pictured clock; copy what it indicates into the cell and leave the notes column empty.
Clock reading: 3:23:09
